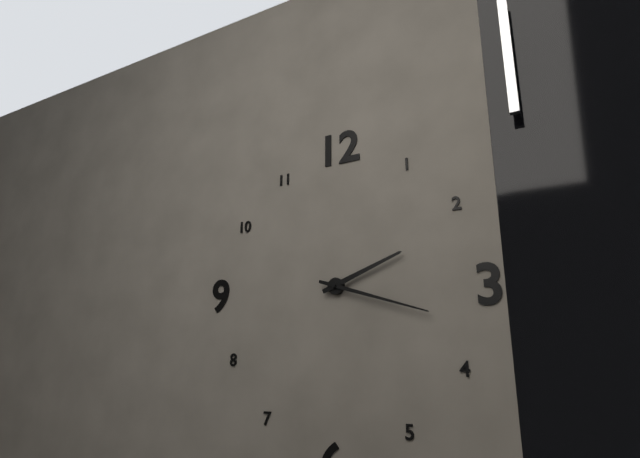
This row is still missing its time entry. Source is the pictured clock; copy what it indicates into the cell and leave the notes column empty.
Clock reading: 2:18
